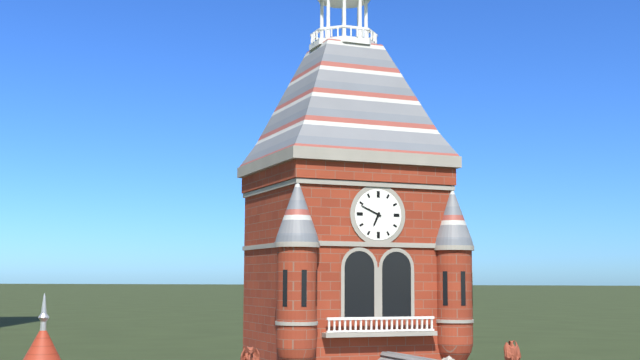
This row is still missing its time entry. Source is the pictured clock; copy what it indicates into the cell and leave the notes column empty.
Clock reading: 6:49
